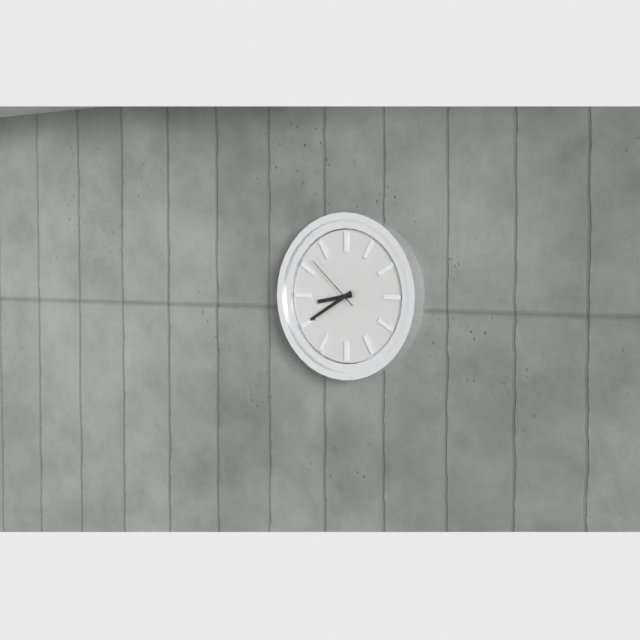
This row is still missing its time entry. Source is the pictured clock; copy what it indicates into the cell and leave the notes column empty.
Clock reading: 8:40:52
